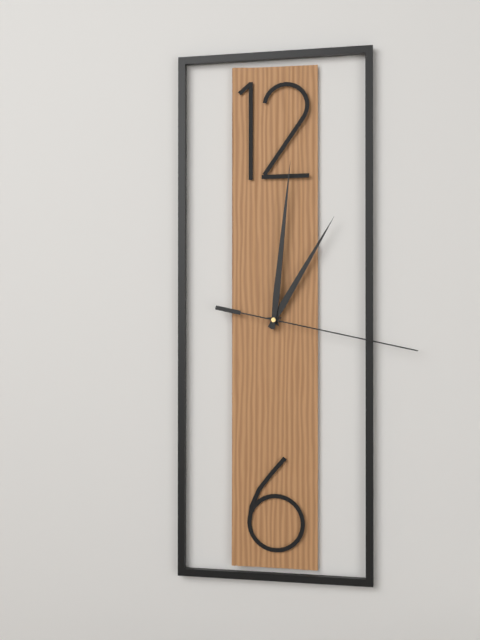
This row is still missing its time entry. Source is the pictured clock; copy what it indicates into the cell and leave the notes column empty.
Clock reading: 1:01:17
